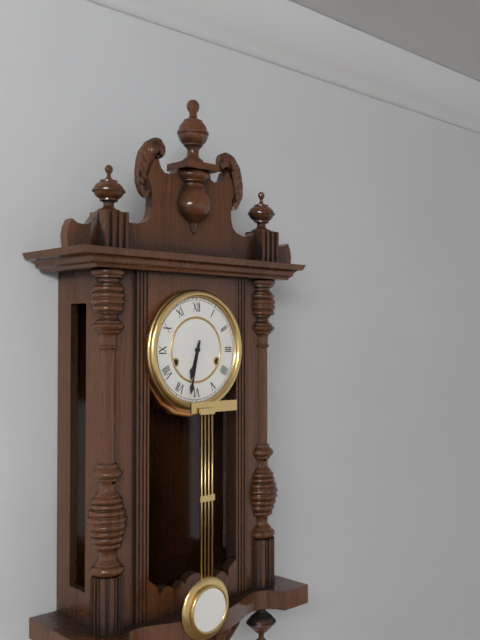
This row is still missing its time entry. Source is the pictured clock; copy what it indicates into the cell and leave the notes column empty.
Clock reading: 6:32
